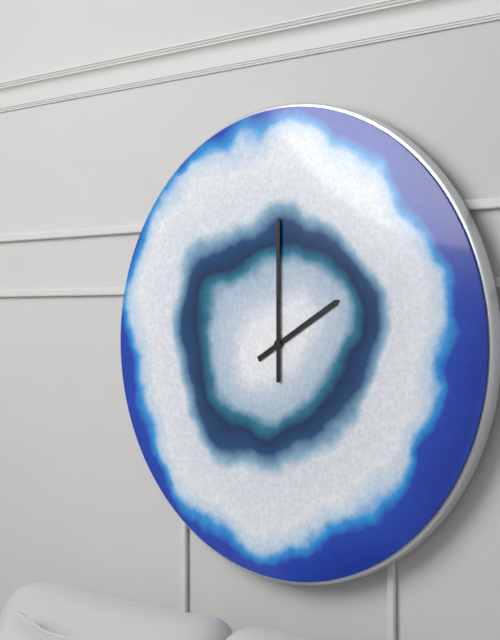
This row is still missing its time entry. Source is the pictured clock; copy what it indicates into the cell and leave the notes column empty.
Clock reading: 2:00
